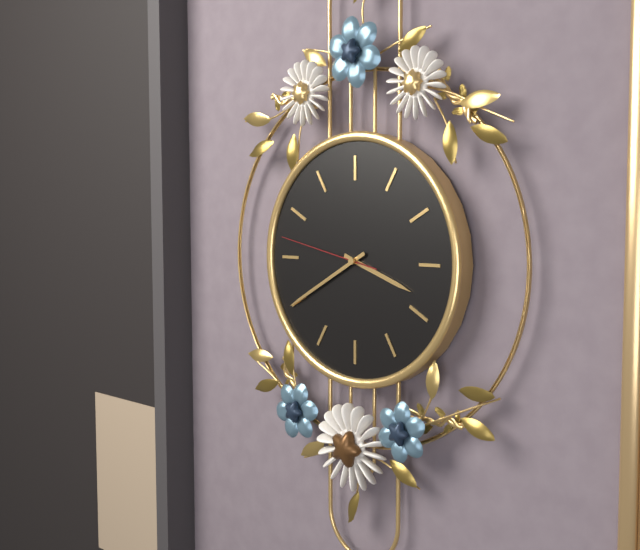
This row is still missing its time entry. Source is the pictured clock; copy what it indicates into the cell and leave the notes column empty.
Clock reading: 3:40:47
